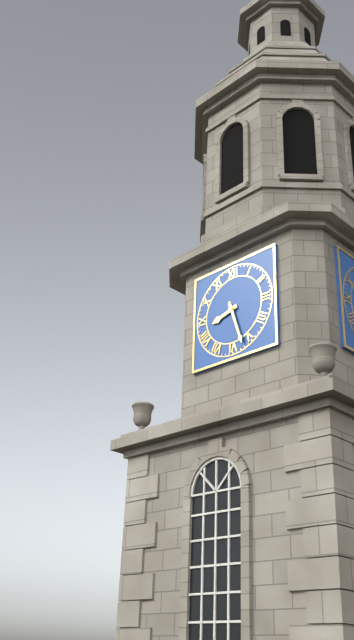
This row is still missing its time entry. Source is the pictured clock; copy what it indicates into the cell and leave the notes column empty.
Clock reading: 8:27
